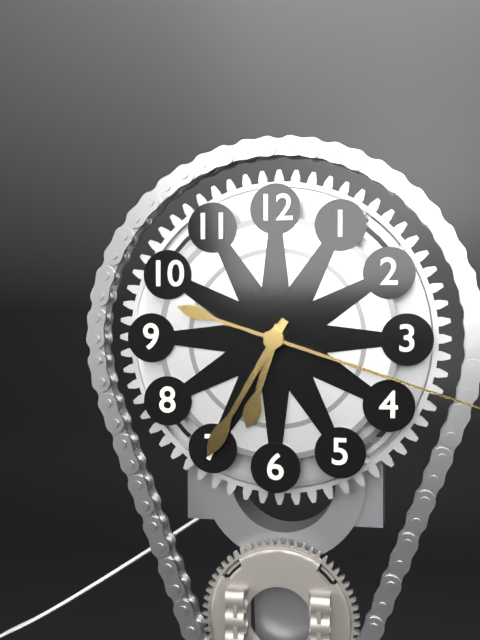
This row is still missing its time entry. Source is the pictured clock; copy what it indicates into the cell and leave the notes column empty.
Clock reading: 6:35
